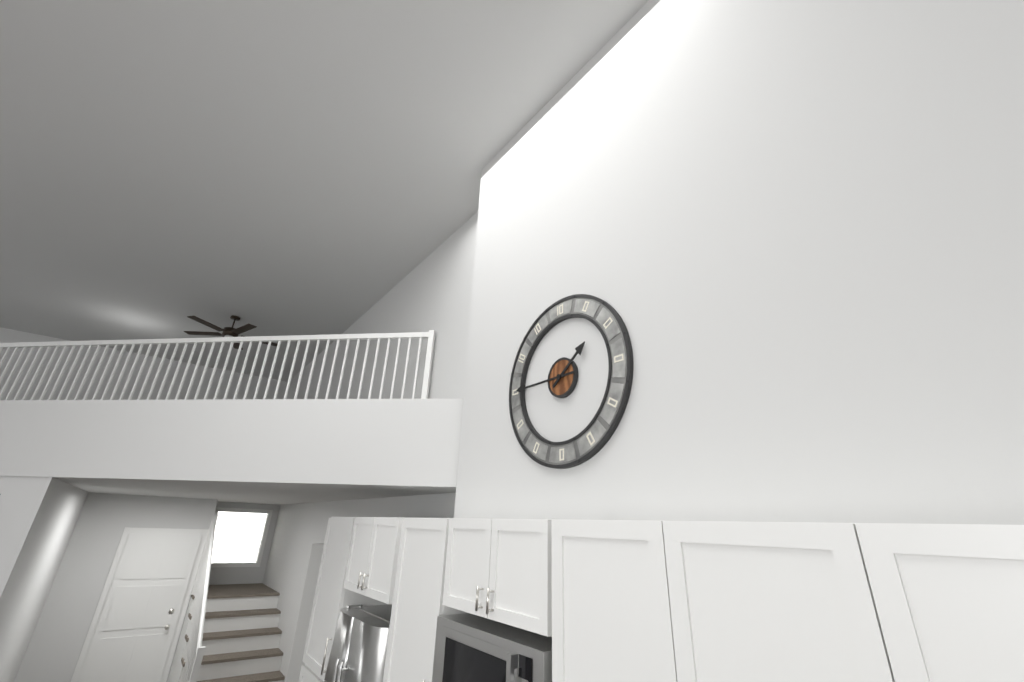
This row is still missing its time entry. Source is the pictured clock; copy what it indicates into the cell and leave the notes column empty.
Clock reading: 1:45
